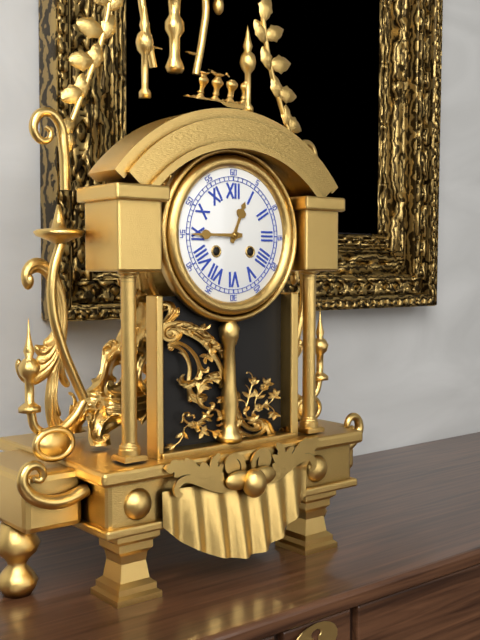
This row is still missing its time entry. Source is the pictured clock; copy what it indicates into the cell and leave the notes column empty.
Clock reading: 12:45
